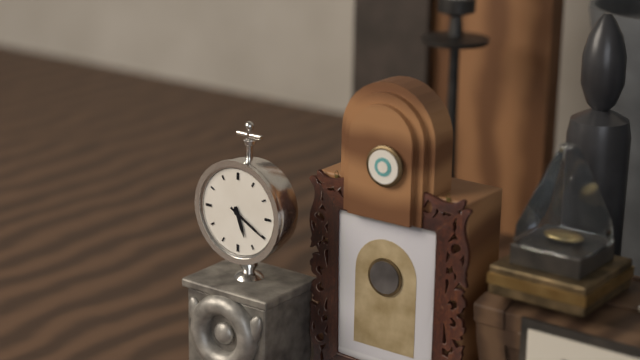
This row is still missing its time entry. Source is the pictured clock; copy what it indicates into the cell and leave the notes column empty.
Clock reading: 5:20
